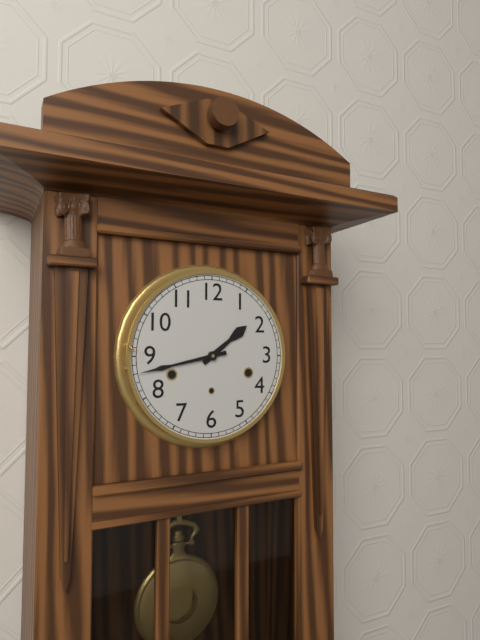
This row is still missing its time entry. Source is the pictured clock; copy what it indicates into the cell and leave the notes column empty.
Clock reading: 1:43
